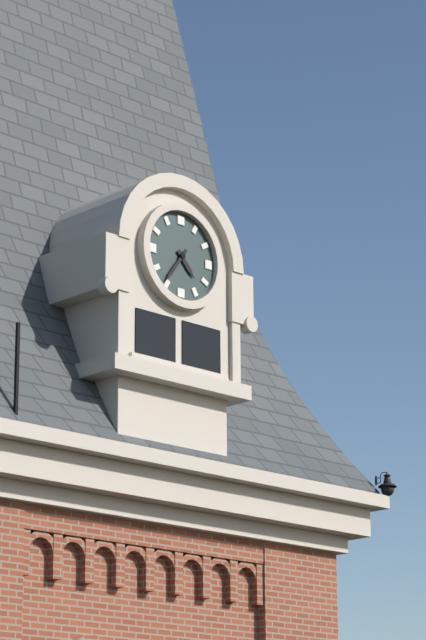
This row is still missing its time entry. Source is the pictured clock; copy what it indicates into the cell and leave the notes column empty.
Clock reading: 4:36
